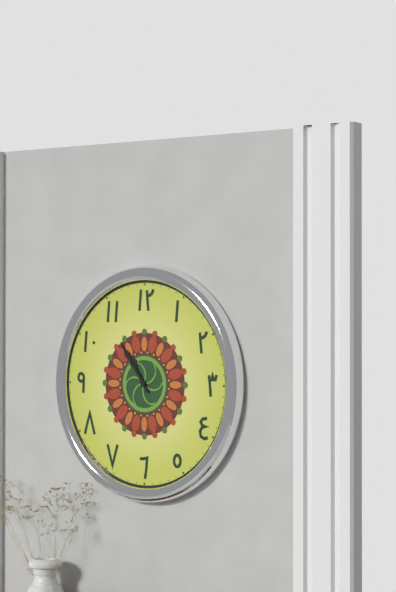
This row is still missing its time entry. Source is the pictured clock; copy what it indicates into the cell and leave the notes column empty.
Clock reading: 10:54
